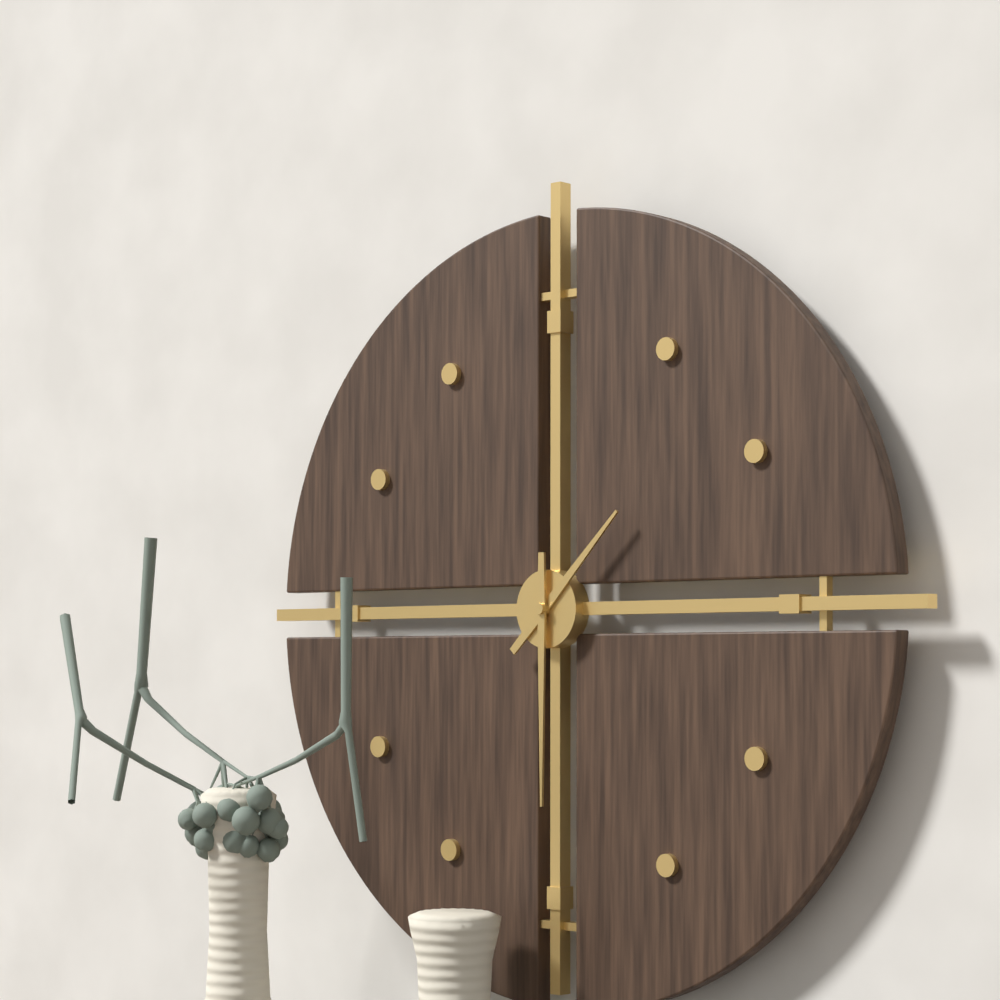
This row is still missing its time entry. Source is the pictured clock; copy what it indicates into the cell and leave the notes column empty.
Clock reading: 1:30
